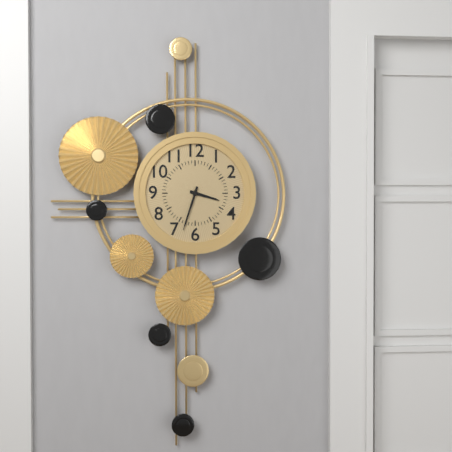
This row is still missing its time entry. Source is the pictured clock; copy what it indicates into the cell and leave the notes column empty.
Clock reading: 3:33
